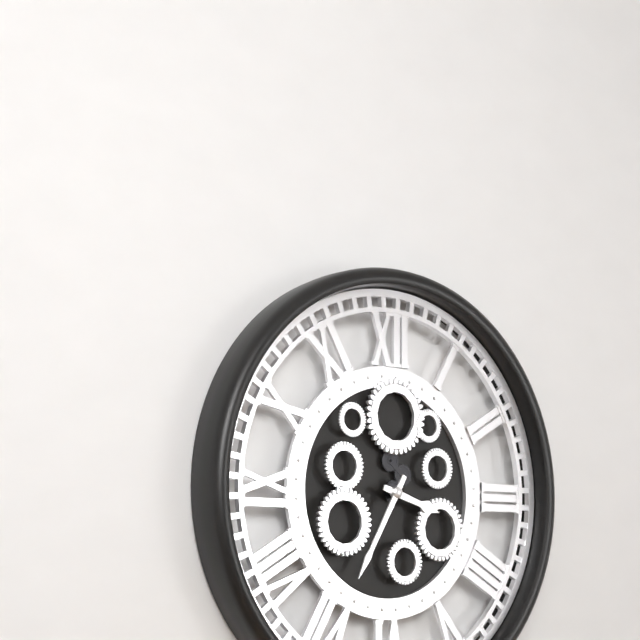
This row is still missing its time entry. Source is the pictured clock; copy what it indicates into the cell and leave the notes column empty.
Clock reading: 3:35
